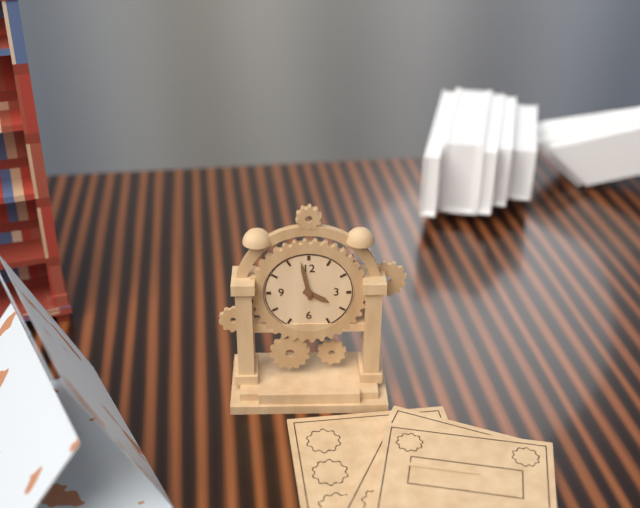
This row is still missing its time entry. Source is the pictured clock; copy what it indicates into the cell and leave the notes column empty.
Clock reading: 3:58
